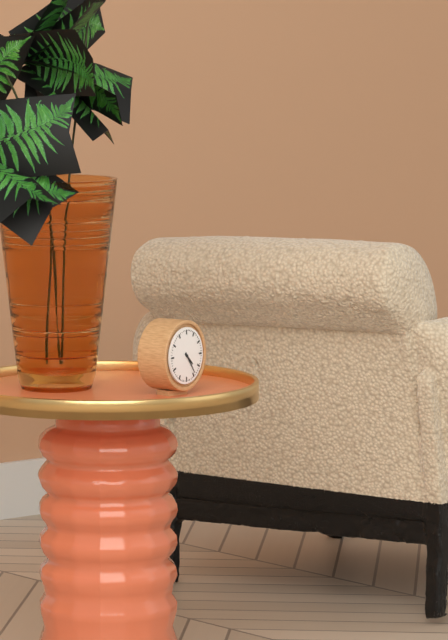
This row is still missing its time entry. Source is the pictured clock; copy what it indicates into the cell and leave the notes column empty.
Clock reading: 4:24
